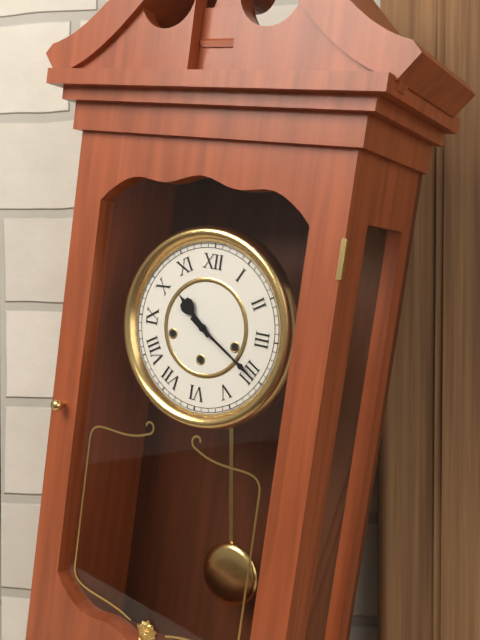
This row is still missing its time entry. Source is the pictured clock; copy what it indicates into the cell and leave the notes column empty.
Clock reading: 10:20
